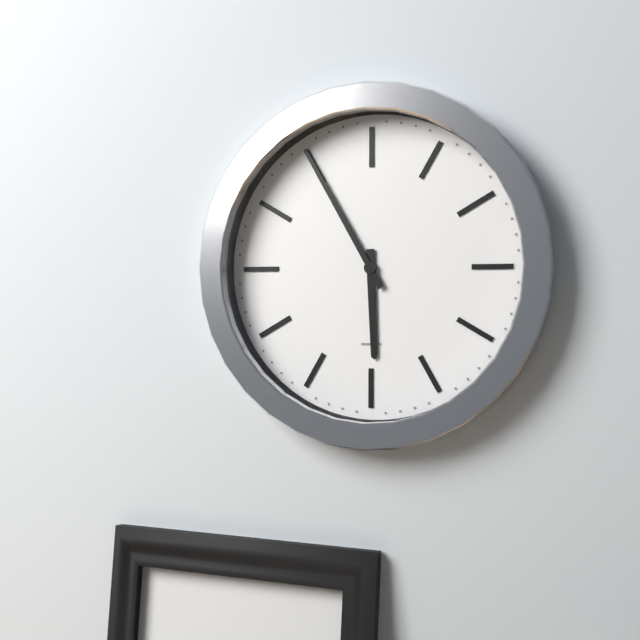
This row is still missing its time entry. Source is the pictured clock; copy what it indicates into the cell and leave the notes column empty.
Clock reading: 5:55
